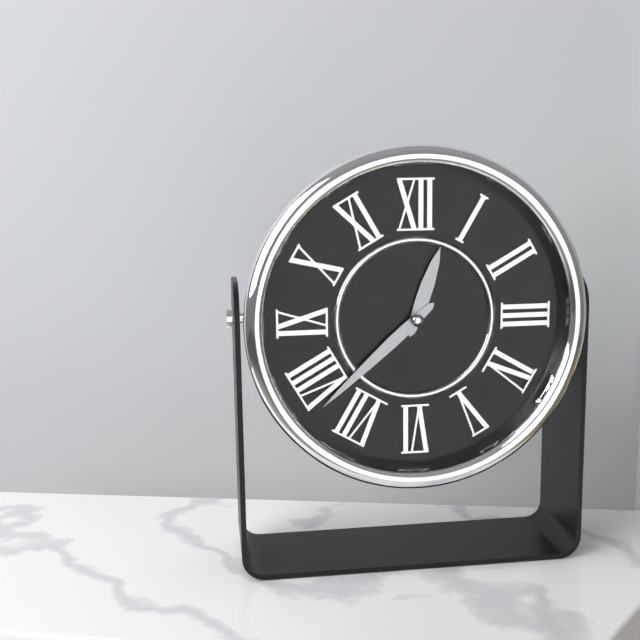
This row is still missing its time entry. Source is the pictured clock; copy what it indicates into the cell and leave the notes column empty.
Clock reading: 12:38
